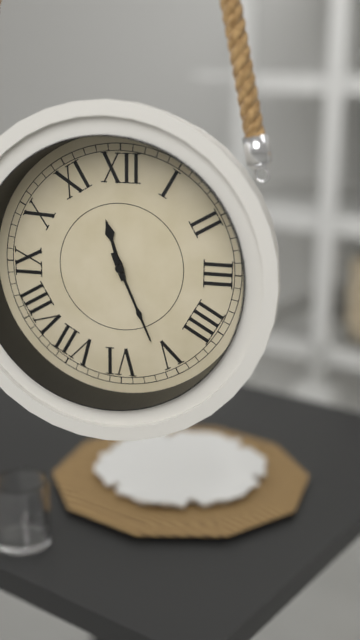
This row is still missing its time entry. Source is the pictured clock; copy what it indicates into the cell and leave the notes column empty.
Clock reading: 11:26
